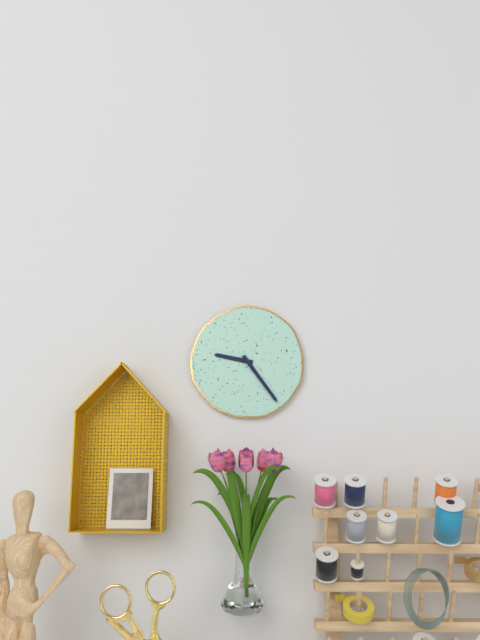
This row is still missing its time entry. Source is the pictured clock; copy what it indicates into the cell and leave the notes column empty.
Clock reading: 9:24
